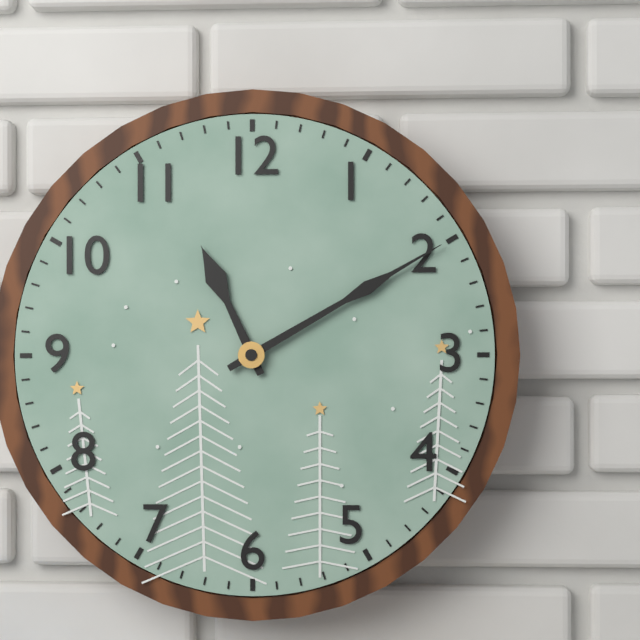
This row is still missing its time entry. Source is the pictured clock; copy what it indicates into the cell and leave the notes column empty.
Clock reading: 11:10
